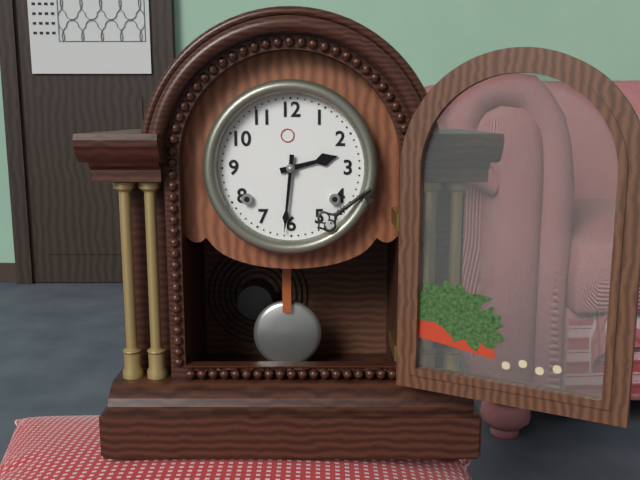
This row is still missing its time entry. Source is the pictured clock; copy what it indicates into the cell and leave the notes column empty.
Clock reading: 2:31
